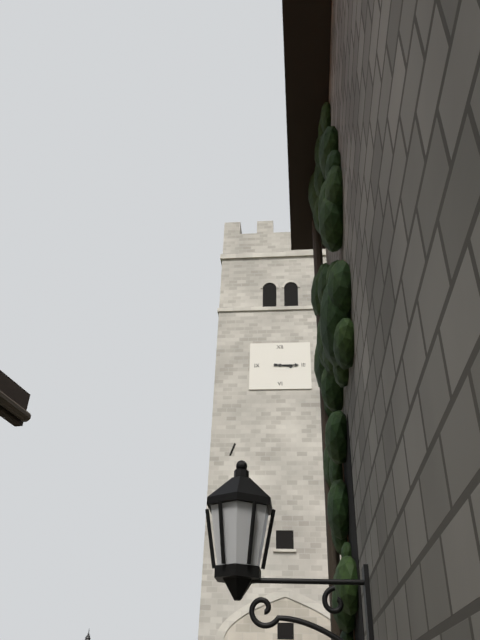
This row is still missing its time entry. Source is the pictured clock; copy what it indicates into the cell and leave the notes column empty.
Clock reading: 3:15
